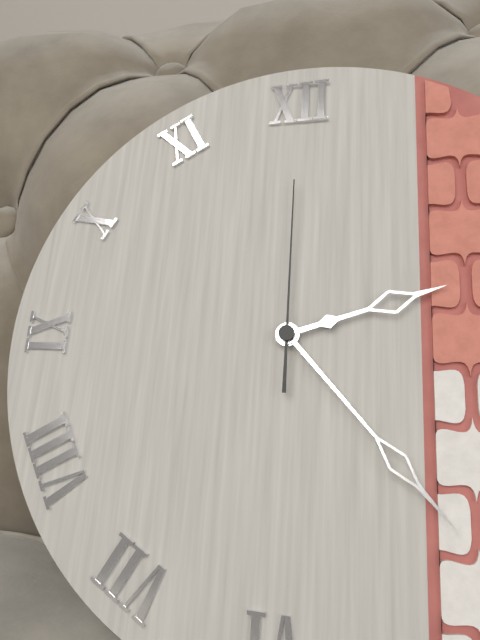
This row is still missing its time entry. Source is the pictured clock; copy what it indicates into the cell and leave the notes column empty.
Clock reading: 2:23:00
